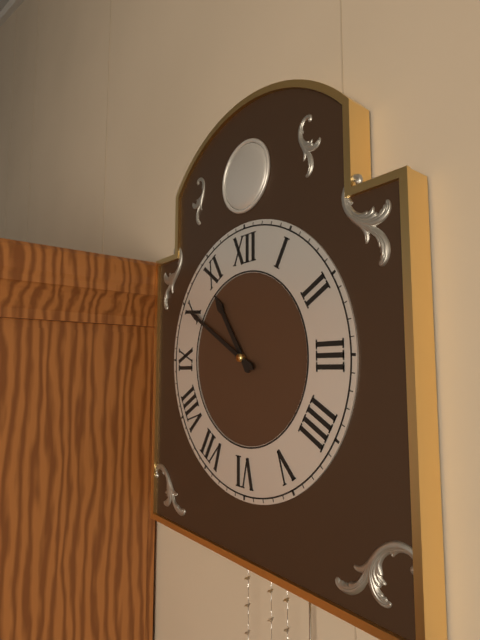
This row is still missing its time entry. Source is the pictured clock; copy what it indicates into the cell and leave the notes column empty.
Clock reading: 10:50
